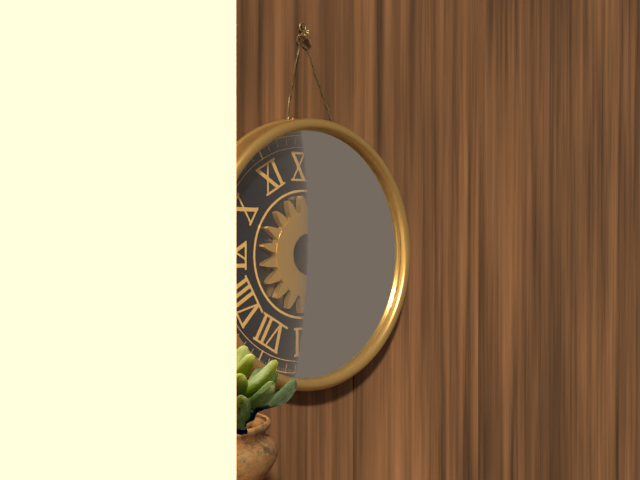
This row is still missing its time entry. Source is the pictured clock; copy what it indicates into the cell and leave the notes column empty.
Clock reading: 5:10
